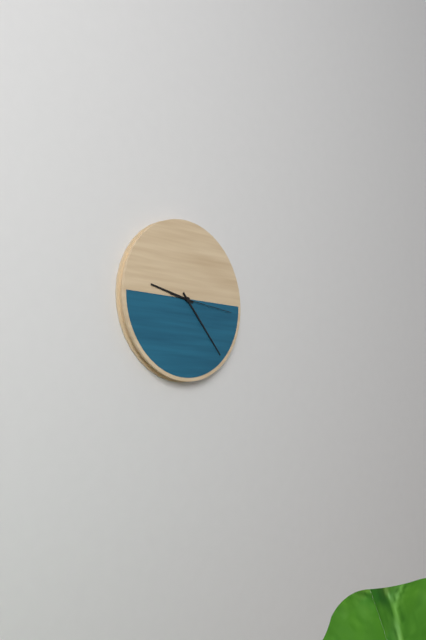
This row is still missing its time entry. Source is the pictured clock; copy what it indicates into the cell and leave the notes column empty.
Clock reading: 9:23:16
